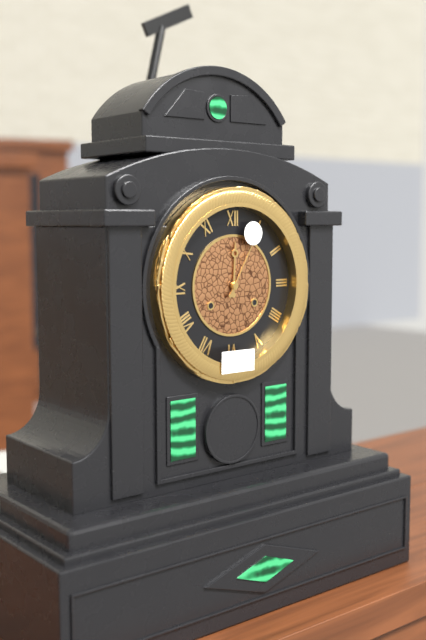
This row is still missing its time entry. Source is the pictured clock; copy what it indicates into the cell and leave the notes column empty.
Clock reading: 12:05
